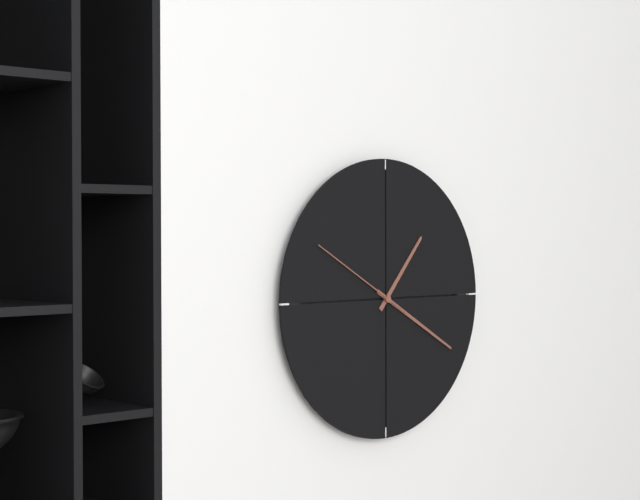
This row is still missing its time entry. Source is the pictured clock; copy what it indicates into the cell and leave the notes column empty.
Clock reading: 1:20:50
